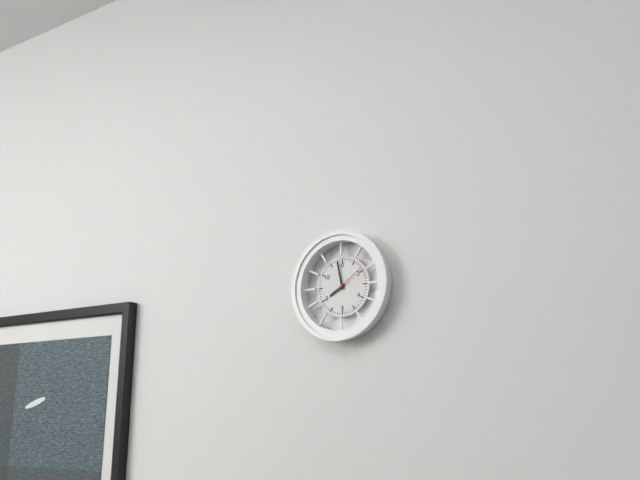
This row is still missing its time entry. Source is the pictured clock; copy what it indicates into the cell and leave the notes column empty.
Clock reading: 7:58
